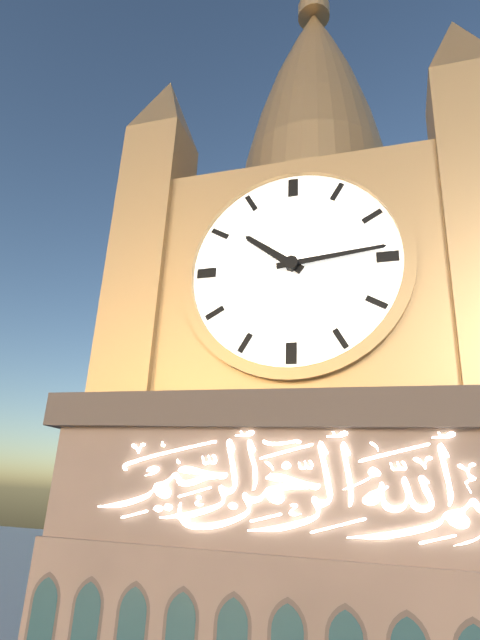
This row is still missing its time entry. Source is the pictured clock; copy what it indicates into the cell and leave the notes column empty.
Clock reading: 10:14
